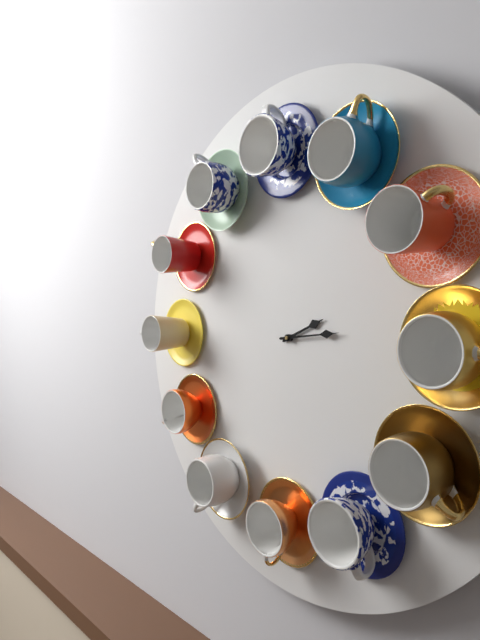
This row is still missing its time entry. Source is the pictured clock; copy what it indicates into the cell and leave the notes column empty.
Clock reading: 2:14
